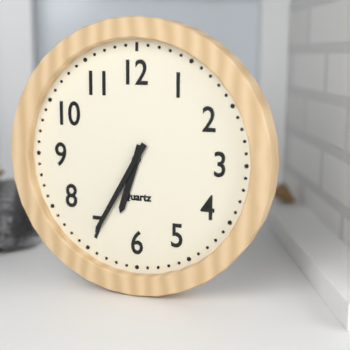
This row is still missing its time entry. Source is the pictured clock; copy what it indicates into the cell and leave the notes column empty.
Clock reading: 6:35
